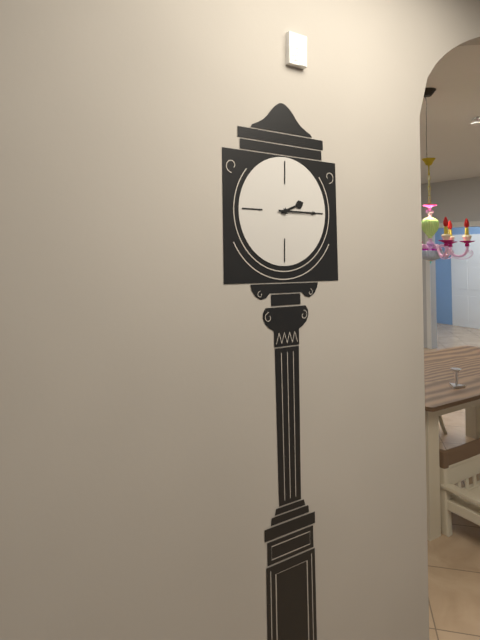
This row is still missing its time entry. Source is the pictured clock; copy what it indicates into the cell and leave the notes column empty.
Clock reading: 2:15
